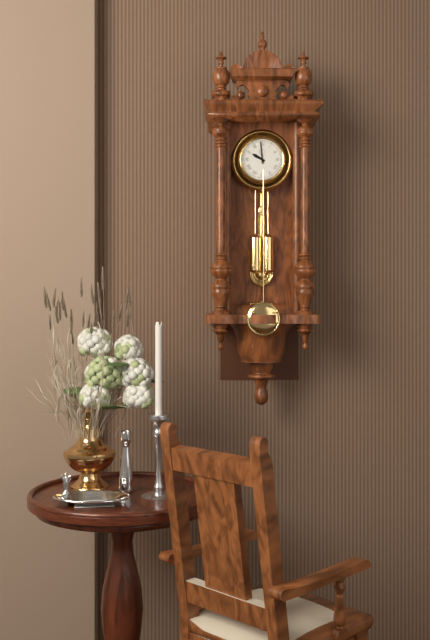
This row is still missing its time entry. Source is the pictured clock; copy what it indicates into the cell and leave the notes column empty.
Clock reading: 9:59
